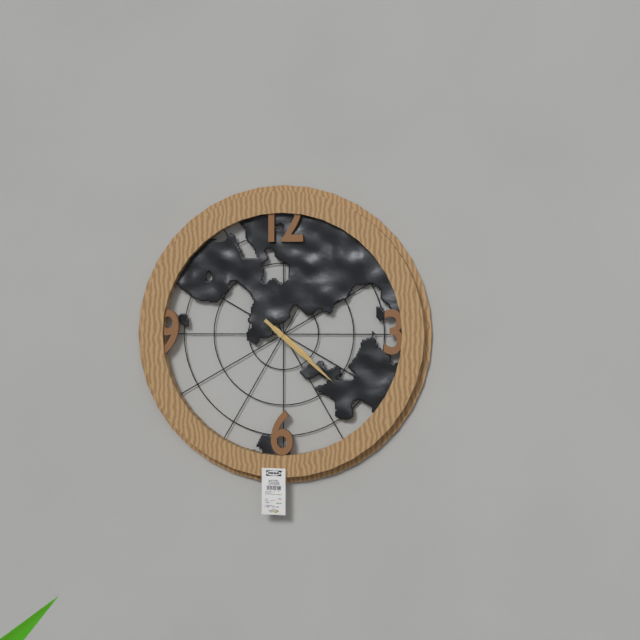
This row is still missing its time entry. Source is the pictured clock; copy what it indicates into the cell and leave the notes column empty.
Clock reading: 4:22
